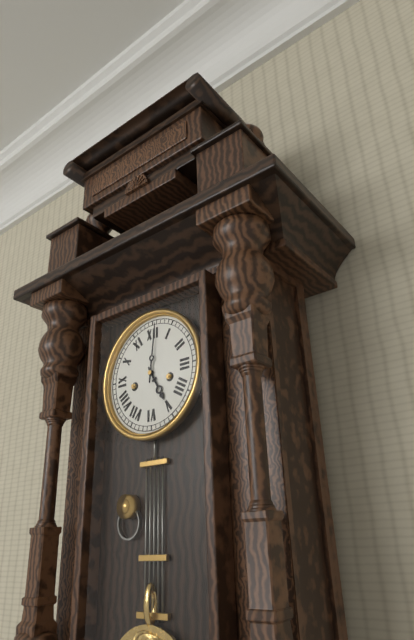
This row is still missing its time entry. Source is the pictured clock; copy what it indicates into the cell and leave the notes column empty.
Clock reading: 5:01
